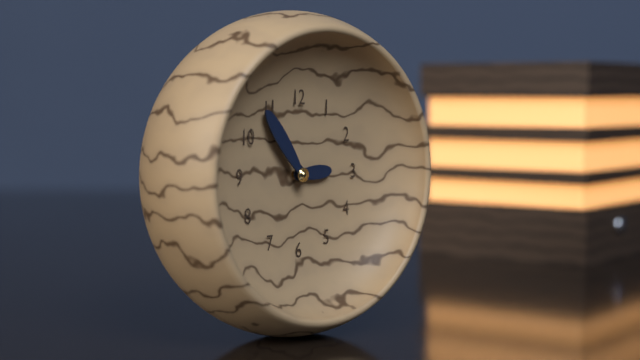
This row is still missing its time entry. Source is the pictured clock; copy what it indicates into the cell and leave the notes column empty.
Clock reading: 2:54
